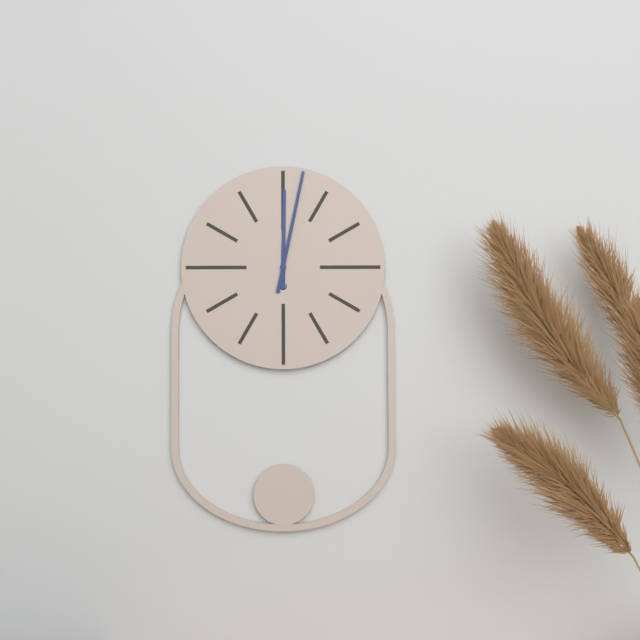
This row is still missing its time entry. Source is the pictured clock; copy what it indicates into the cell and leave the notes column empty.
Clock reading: 12:02
